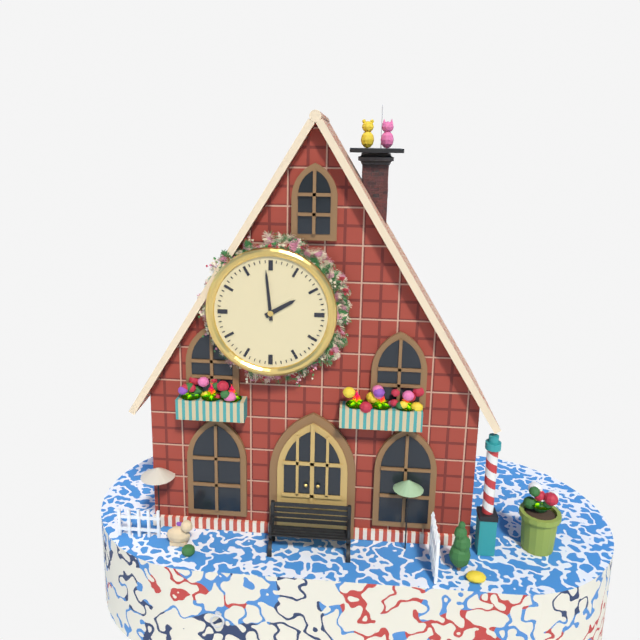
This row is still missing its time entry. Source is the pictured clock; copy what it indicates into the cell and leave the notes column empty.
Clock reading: 1:59
